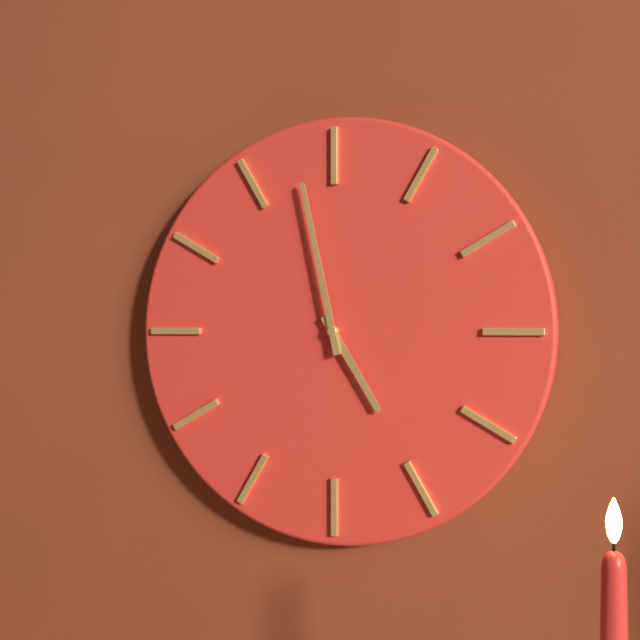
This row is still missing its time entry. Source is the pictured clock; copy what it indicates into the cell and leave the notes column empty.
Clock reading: 4:58
